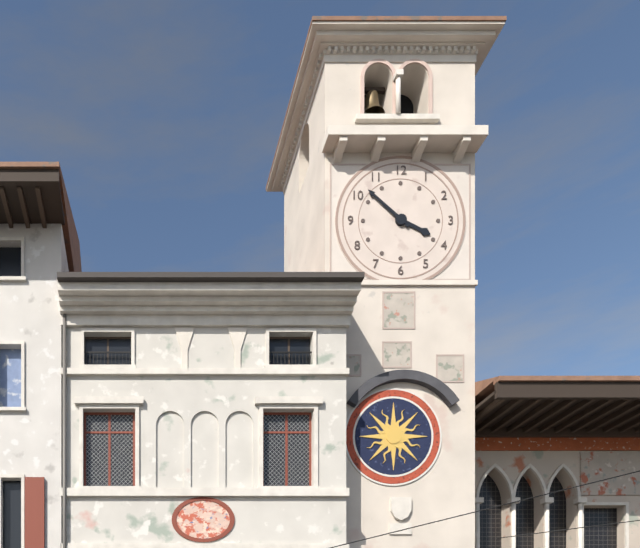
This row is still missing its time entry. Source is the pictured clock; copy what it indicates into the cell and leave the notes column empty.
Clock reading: 3:52
